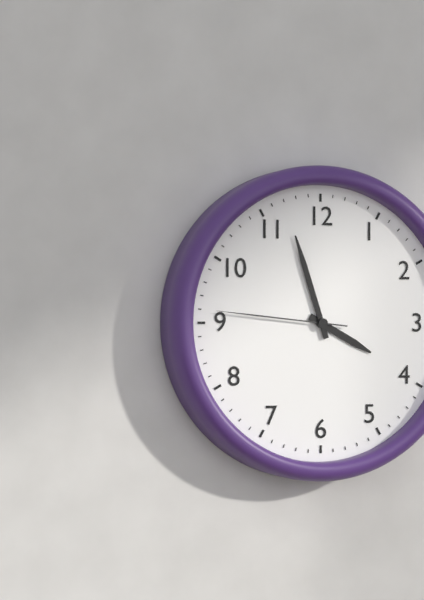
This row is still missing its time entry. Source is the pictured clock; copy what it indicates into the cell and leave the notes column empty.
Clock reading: 3:57:46
